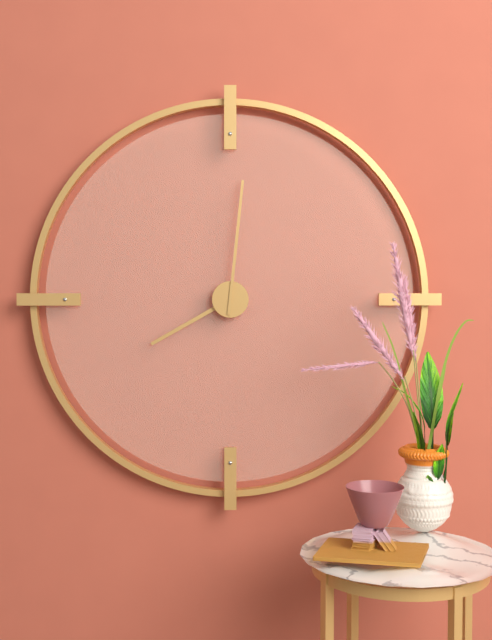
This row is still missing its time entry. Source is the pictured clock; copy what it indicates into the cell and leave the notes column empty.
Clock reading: 8:01
